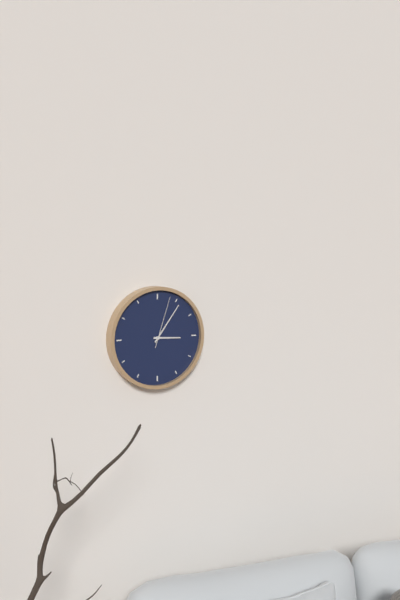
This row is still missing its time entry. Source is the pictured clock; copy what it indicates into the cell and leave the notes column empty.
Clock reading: 3:06:03
